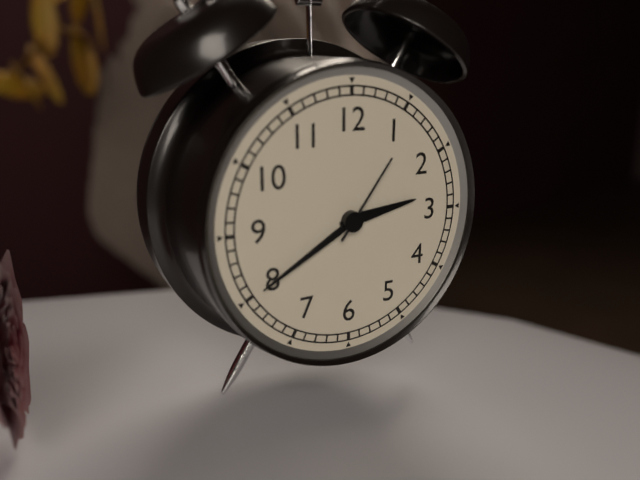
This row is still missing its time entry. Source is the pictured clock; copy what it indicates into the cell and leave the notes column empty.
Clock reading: 2:40:06
